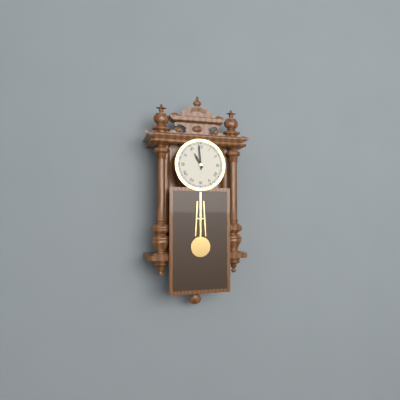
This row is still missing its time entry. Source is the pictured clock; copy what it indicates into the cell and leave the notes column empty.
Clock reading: 10:59
